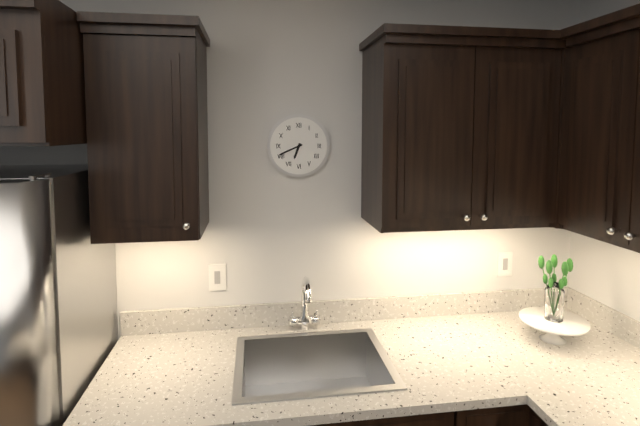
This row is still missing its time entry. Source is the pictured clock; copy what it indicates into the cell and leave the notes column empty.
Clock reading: 6:41
